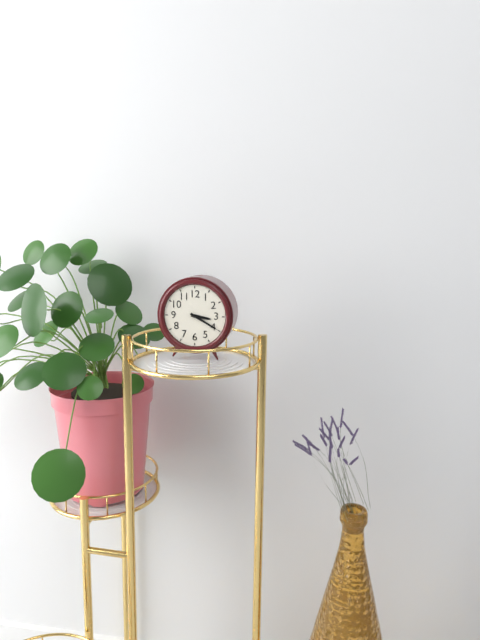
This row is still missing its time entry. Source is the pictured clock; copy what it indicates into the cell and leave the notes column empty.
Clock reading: 3:20
